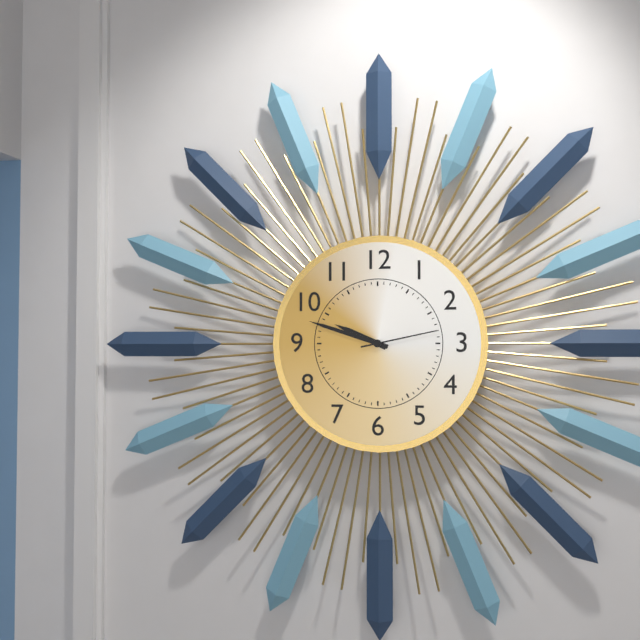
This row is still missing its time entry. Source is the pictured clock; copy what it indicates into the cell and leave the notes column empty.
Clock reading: 9:48:13
